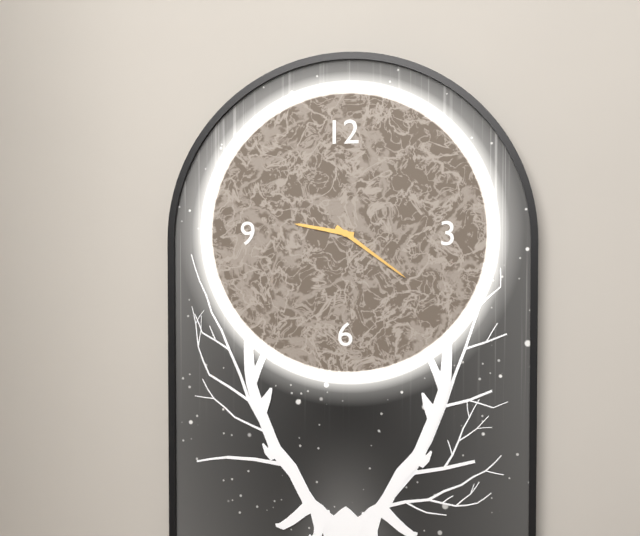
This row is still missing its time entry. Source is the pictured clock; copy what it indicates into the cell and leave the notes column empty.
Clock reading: 9:21
